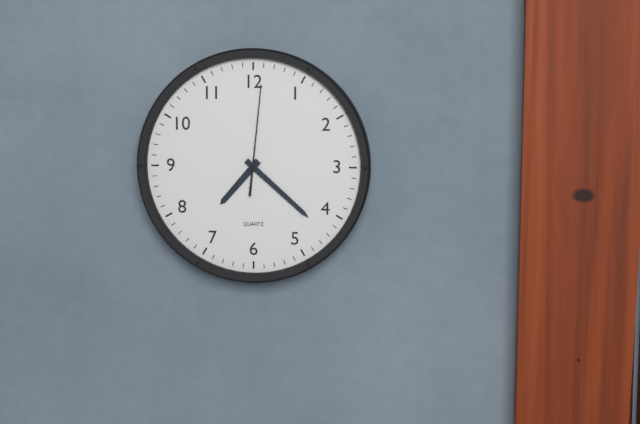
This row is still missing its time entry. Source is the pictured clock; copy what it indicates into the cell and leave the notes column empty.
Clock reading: 7:22:01
